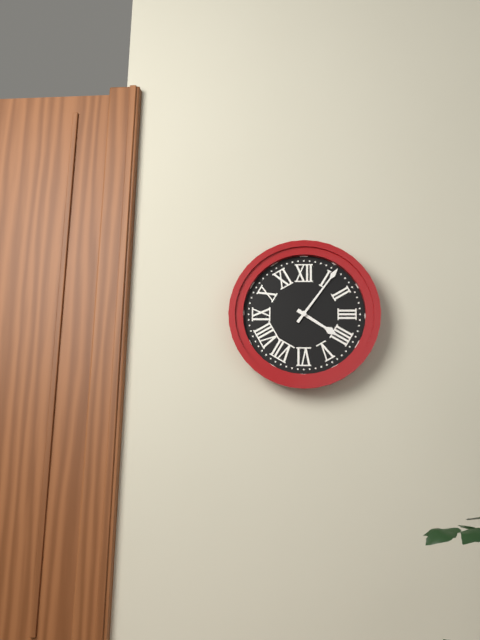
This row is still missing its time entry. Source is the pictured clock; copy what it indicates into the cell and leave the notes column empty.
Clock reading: 4:06
